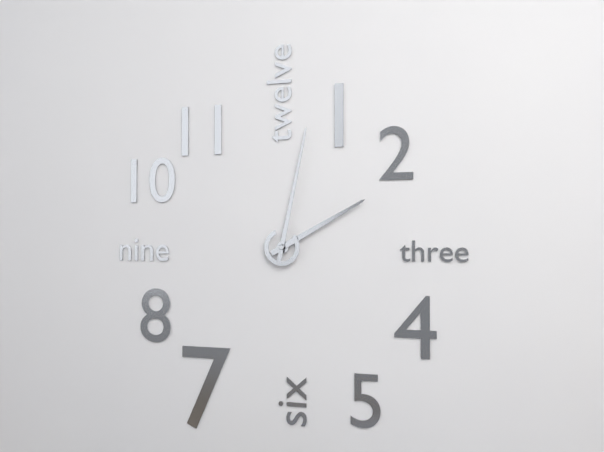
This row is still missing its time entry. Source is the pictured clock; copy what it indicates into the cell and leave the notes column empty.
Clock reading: 2:02
